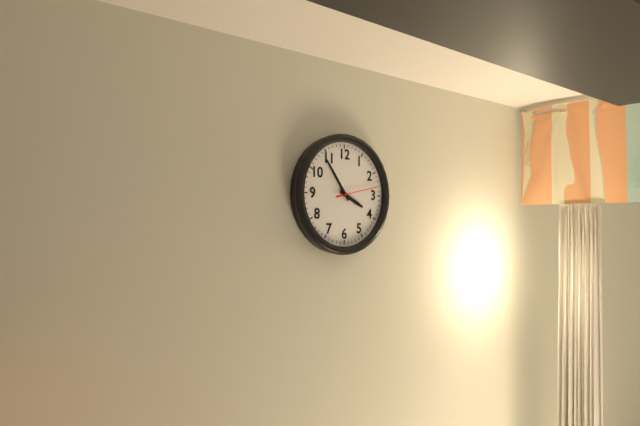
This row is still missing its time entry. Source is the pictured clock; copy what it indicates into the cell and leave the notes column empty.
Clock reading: 3:54
